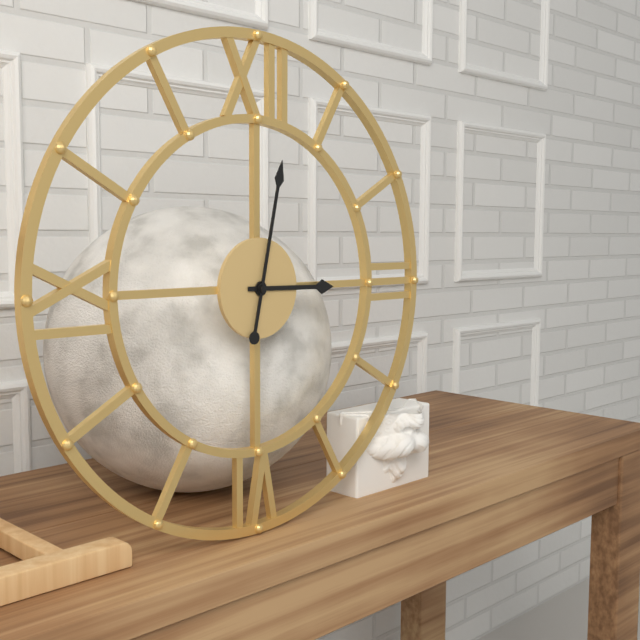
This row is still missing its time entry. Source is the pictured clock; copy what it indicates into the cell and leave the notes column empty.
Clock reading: 3:02
